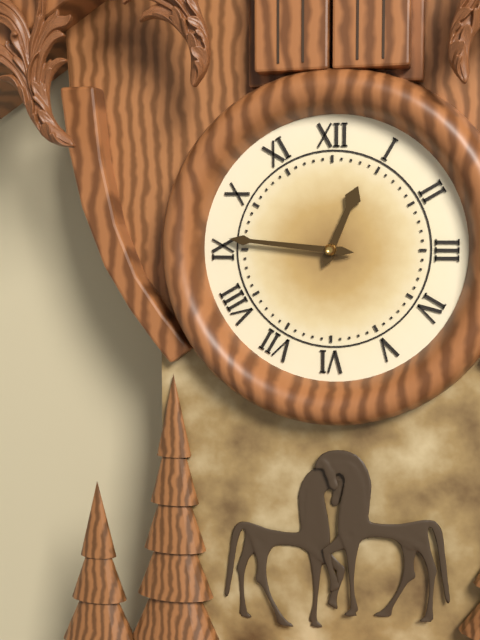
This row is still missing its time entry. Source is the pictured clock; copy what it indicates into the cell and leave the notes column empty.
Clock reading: 12:46
